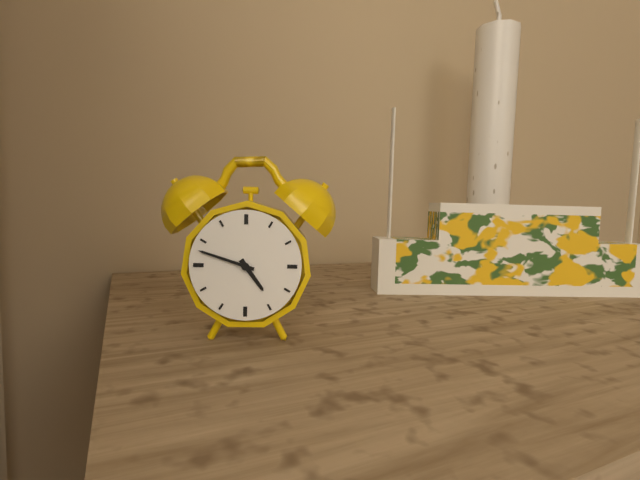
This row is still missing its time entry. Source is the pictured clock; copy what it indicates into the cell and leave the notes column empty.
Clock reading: 4:48
